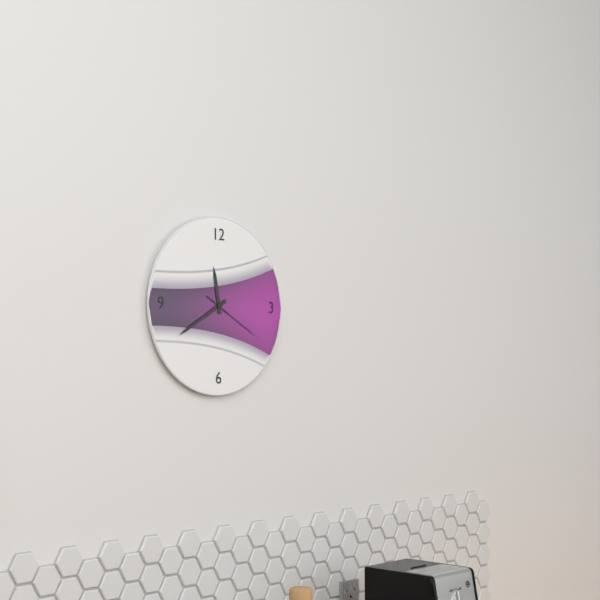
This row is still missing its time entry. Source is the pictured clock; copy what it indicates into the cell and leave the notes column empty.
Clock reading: 11:40:20
